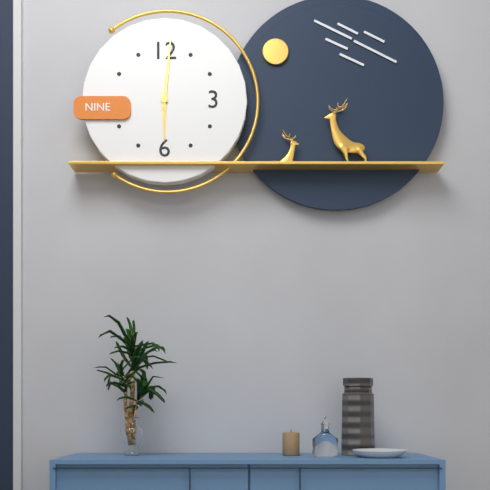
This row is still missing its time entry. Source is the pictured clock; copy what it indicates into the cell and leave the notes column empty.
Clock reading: 6:01
